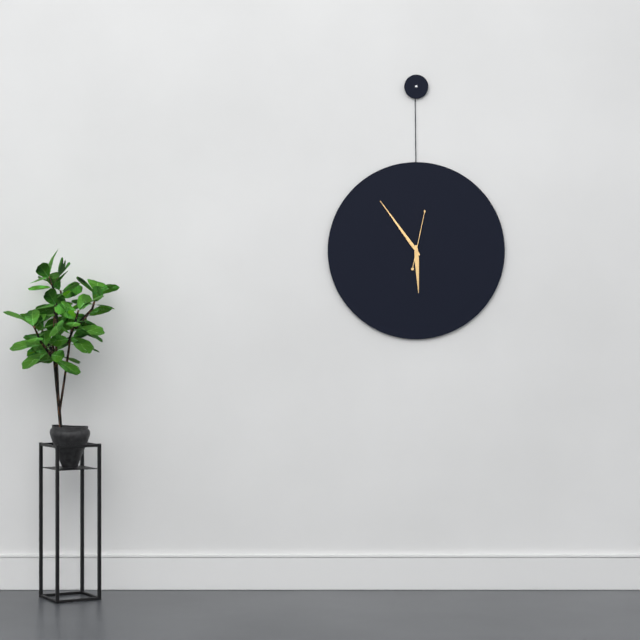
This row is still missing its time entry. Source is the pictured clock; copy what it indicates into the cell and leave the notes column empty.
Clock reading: 5:54:02
